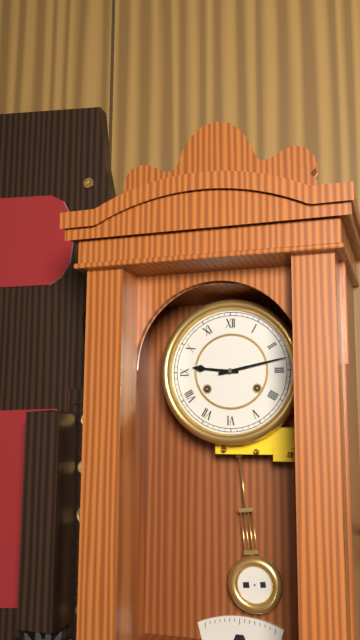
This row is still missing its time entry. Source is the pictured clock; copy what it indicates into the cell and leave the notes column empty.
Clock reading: 9:13
